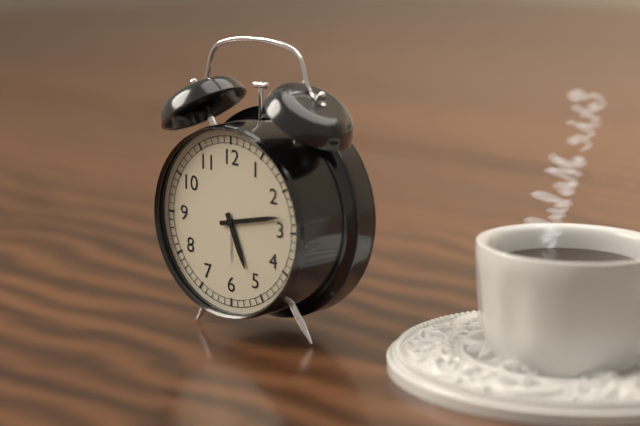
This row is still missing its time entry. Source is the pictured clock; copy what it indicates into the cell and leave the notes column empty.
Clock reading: 5:13
